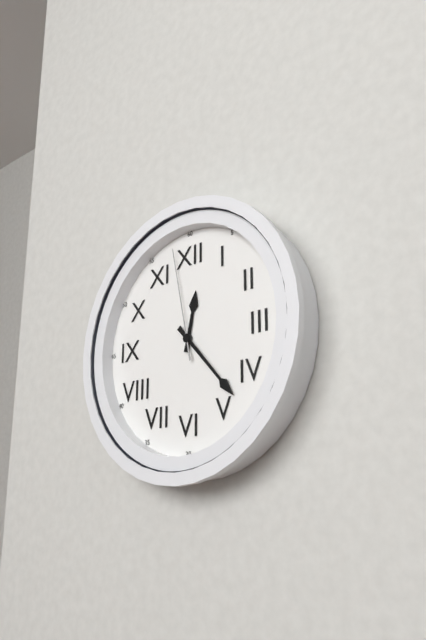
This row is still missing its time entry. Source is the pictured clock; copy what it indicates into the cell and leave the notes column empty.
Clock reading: 12:23:58
